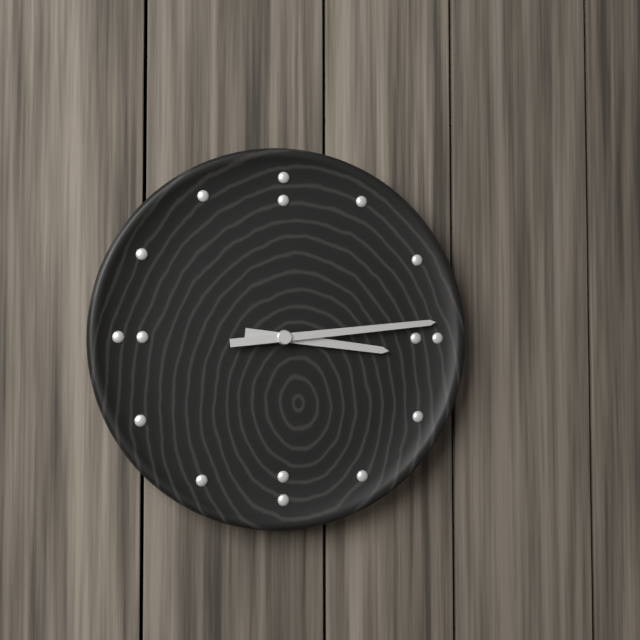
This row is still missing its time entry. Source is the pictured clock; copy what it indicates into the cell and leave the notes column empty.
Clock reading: 3:14
